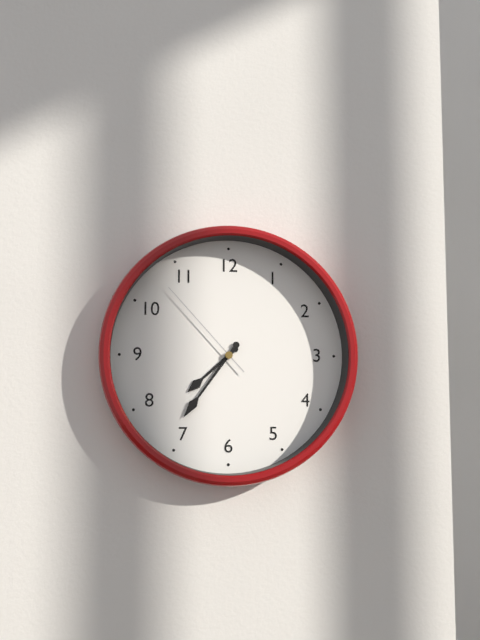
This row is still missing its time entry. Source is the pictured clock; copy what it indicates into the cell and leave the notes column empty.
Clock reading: 7:36:53
